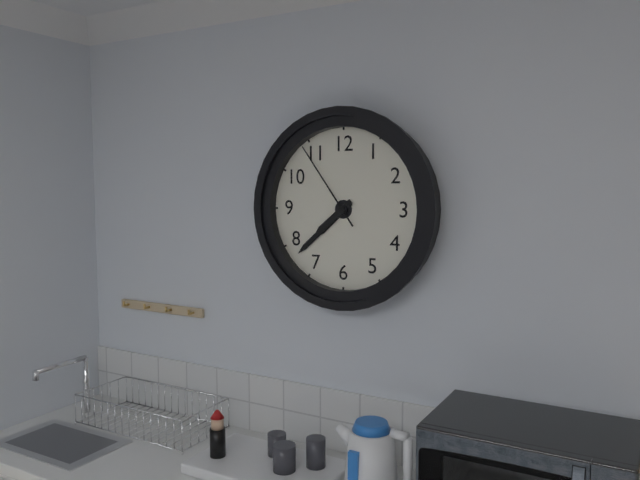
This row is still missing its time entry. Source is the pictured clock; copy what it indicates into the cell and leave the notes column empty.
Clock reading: 7:38:54
